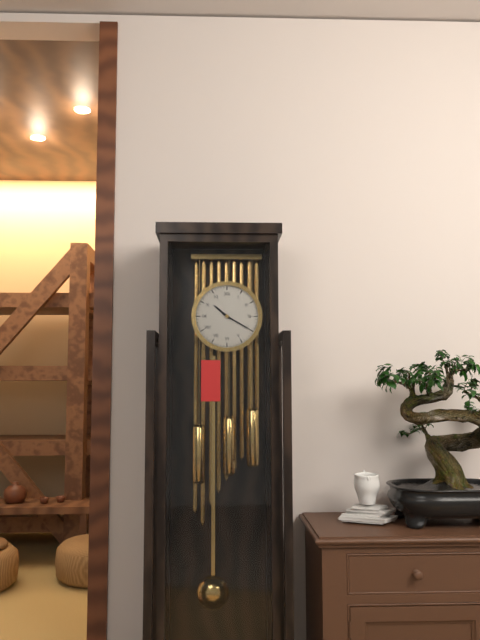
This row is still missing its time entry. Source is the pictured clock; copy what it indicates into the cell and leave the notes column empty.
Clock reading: 10:20
